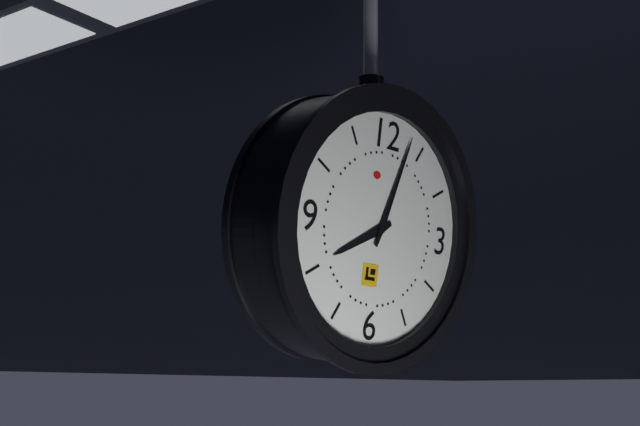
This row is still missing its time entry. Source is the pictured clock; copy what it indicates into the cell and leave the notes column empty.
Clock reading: 8:03
